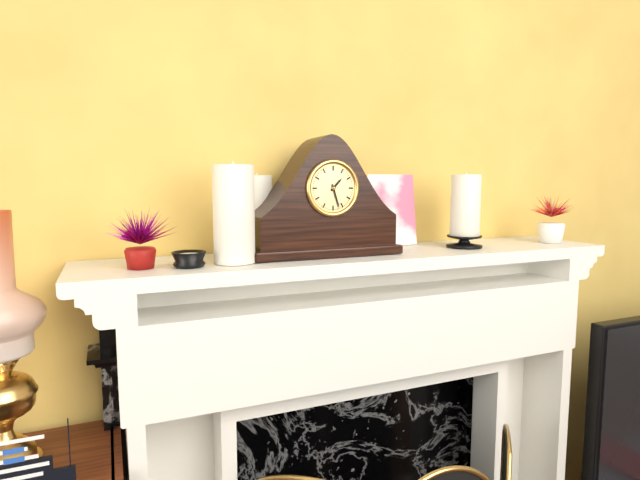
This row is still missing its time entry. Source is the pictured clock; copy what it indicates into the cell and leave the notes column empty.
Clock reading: 1:27
